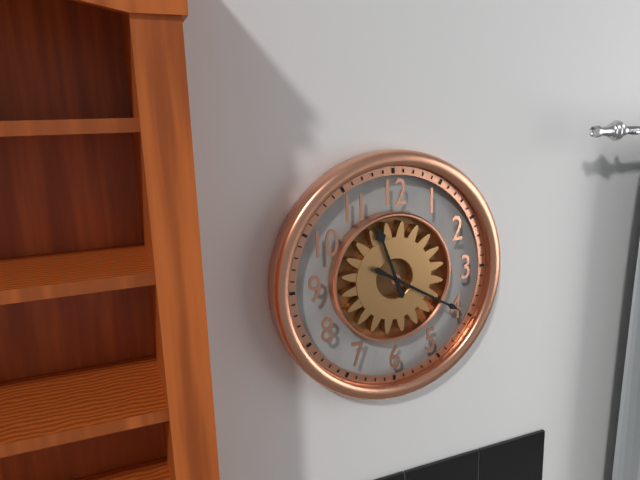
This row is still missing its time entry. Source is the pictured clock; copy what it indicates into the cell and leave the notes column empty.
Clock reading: 11:20
